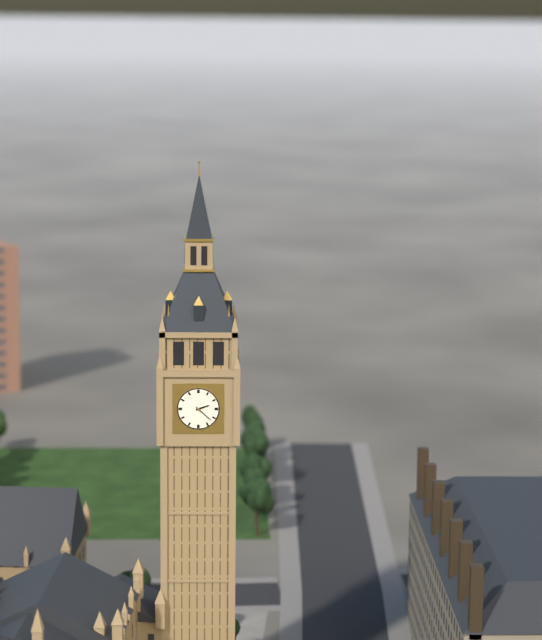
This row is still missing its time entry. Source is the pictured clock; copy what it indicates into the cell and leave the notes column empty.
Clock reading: 2:22
